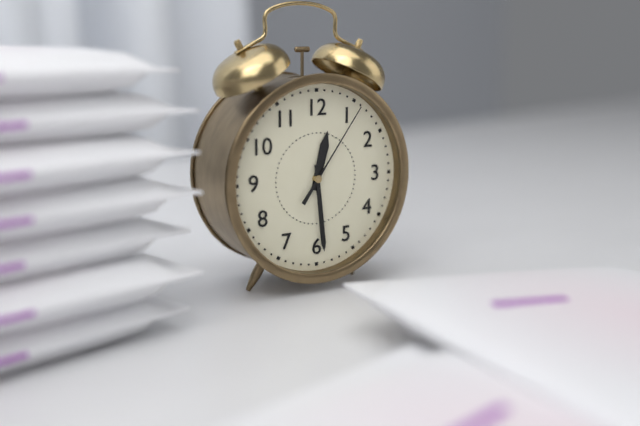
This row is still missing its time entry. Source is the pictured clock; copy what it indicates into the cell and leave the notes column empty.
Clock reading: 12:29:06
